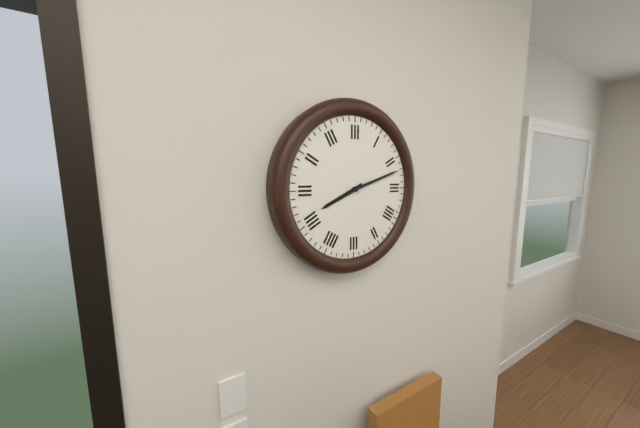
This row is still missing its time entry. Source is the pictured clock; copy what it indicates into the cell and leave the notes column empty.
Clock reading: 8:12
